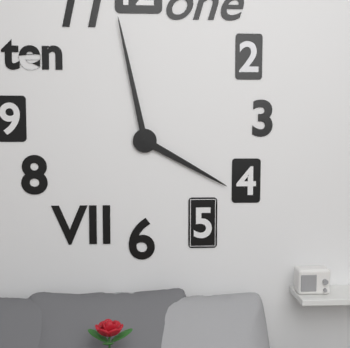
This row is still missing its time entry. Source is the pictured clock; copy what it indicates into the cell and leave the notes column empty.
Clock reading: 3:58
